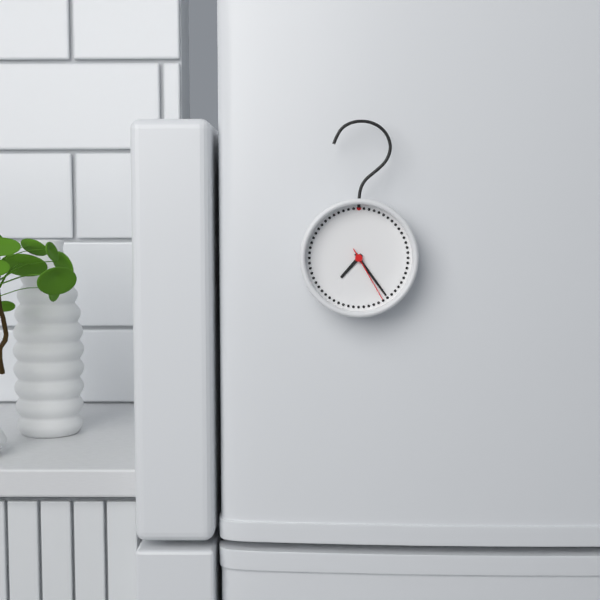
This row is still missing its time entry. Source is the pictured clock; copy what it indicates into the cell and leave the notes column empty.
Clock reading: 7:24:25
